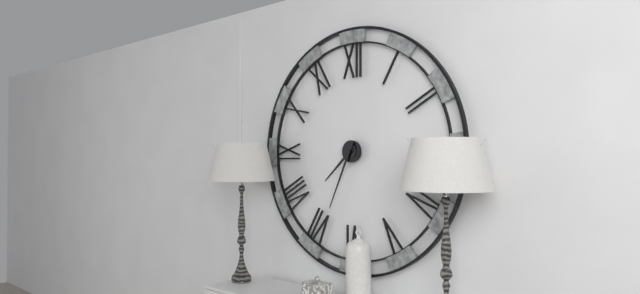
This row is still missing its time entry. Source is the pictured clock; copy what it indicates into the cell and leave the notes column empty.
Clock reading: 7:34
